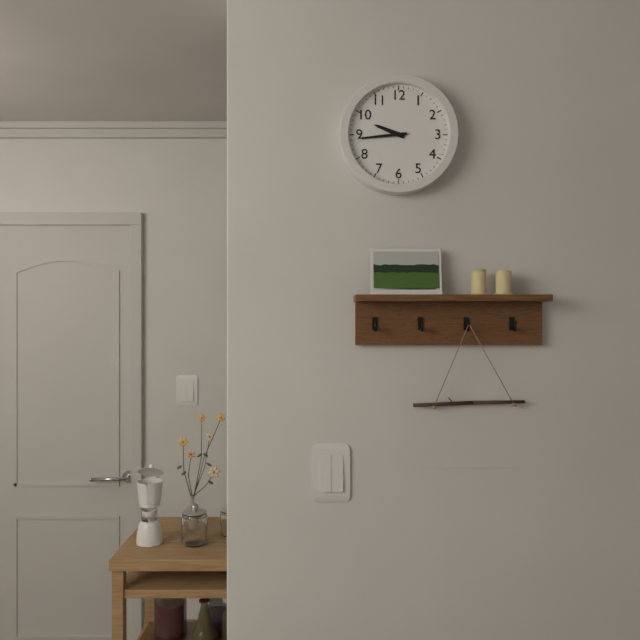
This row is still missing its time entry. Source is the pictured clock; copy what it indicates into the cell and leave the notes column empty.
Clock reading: 9:44
